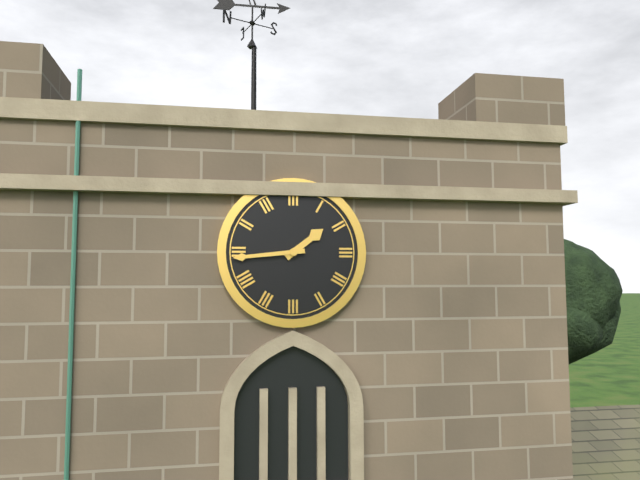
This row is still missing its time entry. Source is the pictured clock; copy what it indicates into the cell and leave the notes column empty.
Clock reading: 1:44
